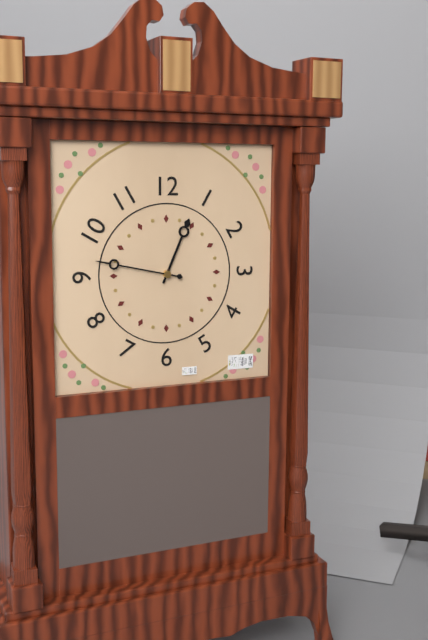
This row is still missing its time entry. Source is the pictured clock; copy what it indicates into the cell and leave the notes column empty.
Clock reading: 12:47
